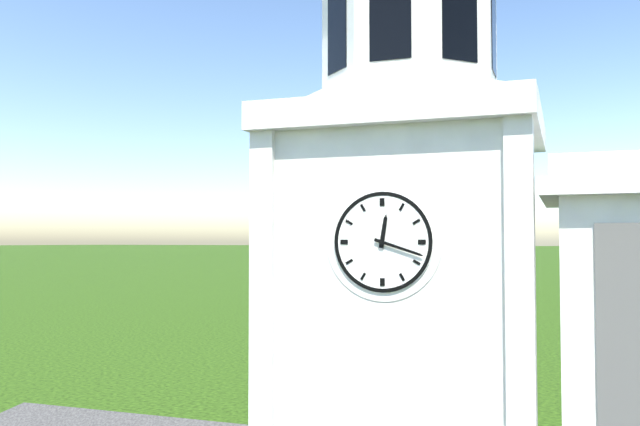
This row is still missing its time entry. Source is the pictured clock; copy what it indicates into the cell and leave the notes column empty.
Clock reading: 12:18
